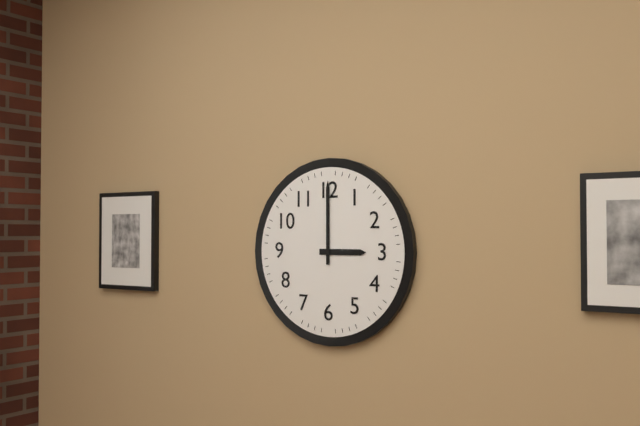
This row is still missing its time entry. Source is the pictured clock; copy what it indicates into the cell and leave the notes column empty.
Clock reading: 3:00
